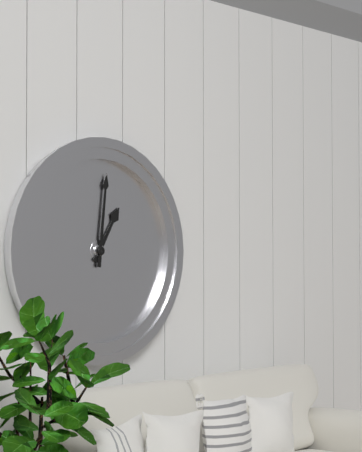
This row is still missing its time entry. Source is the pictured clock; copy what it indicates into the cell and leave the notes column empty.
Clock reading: 1:01
